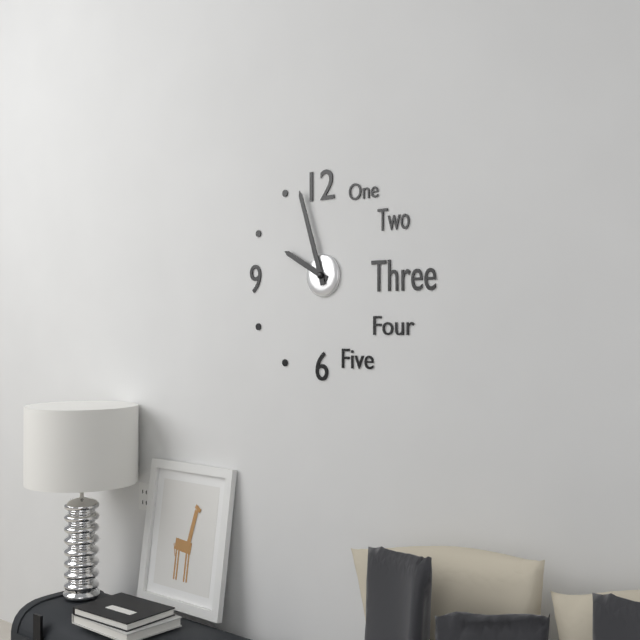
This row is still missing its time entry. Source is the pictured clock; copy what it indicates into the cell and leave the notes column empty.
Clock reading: 9:57
